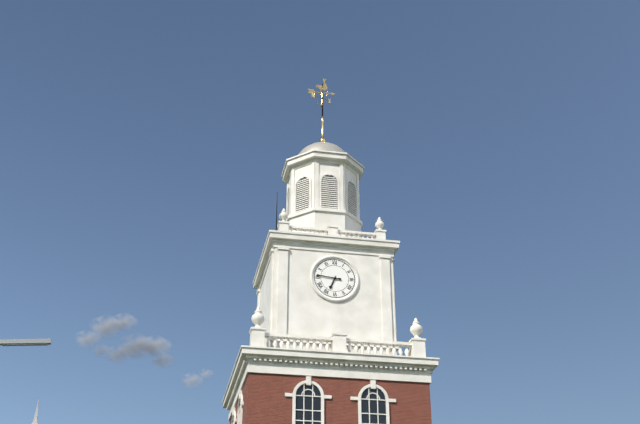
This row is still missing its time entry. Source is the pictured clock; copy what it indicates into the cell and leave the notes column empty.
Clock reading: 6:46
